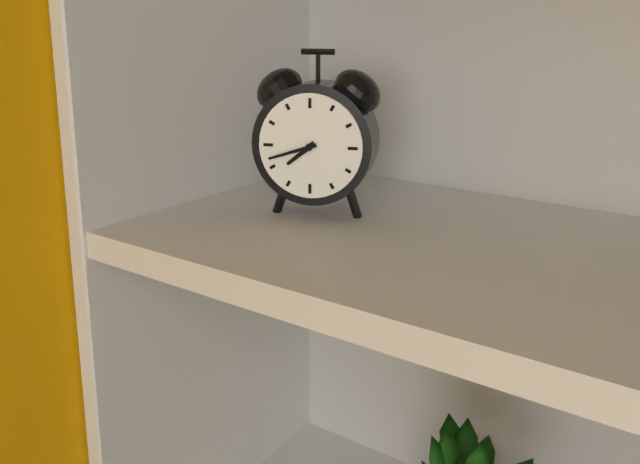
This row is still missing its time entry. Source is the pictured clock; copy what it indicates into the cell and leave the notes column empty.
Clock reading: 7:42
